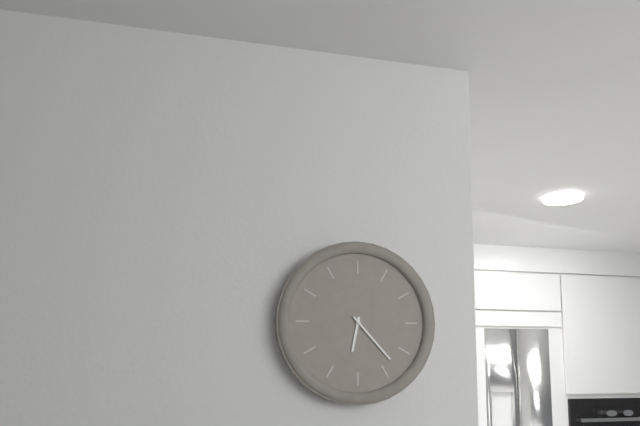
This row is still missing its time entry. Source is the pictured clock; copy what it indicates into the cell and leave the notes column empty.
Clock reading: 6:23
